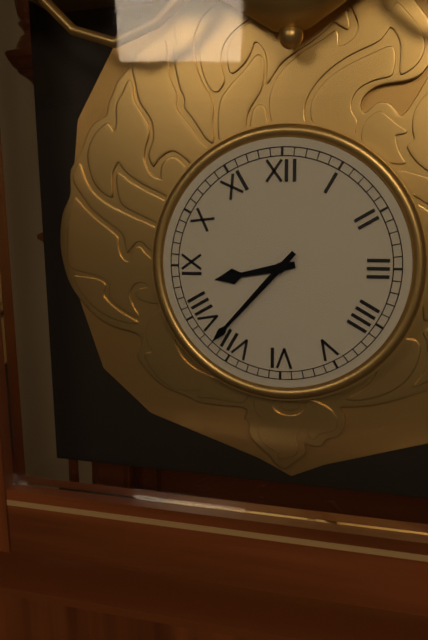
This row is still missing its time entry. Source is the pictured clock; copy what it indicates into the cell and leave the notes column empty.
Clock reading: 8:37
